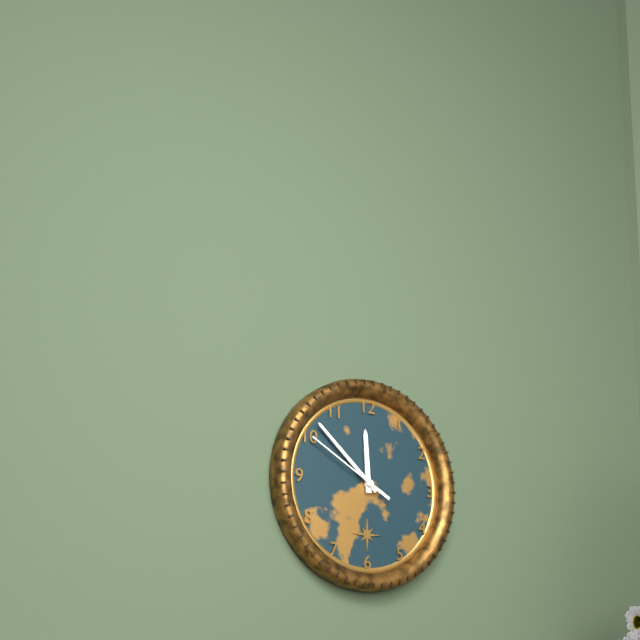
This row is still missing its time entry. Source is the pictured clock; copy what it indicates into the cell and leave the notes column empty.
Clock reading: 11:52:50
